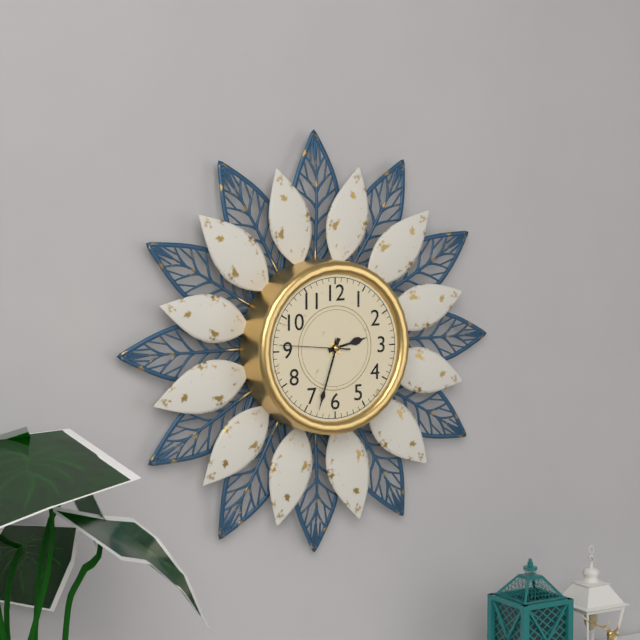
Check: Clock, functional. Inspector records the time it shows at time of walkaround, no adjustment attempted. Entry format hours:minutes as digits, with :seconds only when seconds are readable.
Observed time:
2:33:46
